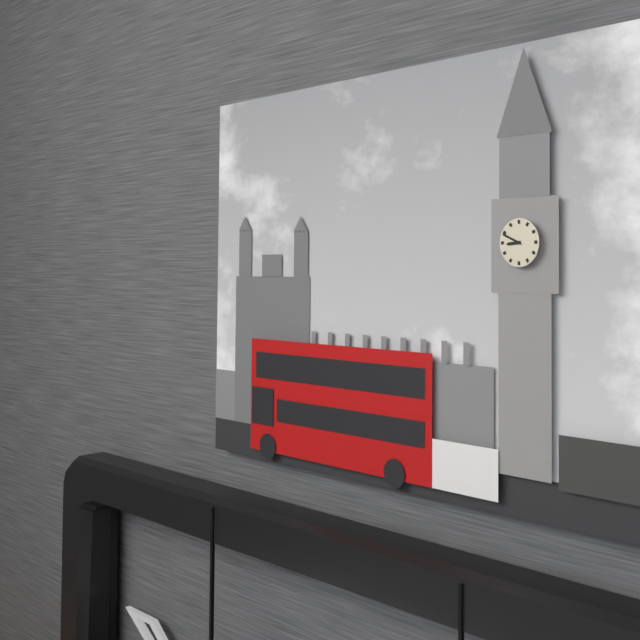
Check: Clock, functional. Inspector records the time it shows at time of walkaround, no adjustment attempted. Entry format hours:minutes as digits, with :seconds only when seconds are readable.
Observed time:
8:49
